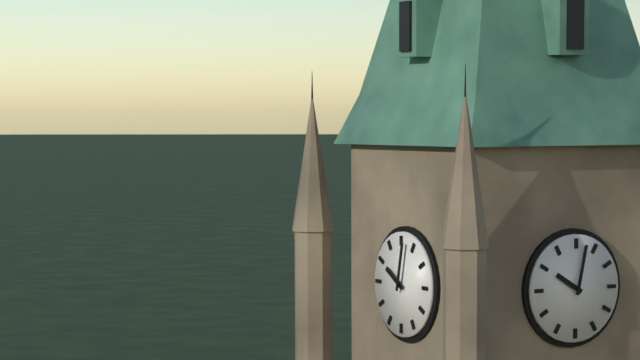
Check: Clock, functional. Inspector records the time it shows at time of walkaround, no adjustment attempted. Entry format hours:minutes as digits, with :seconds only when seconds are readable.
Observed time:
10:02
